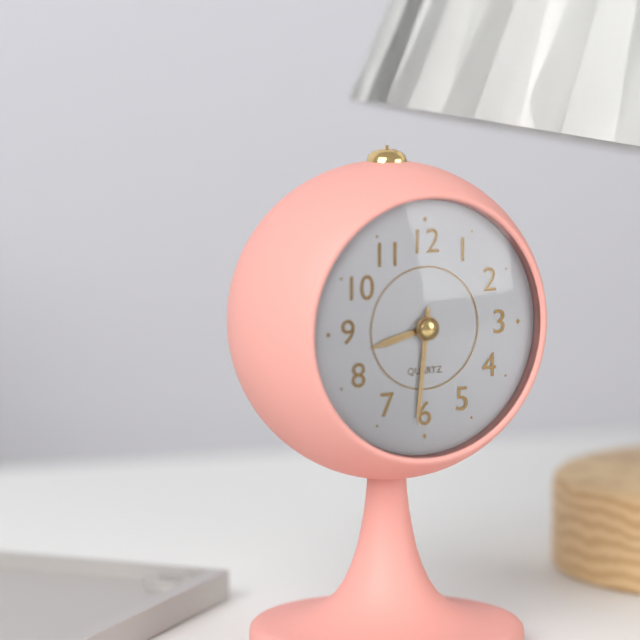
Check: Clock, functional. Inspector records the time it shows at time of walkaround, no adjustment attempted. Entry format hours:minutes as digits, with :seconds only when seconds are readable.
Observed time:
8:31
